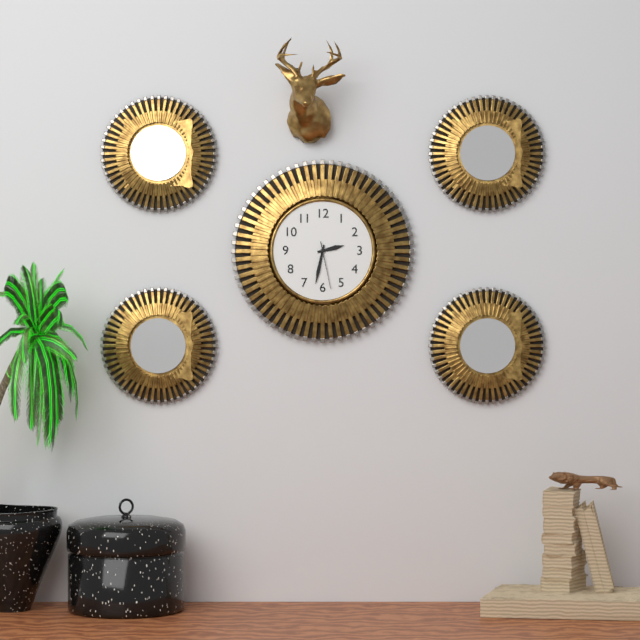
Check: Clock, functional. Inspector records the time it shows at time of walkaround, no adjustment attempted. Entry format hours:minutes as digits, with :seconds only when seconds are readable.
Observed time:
2:32
